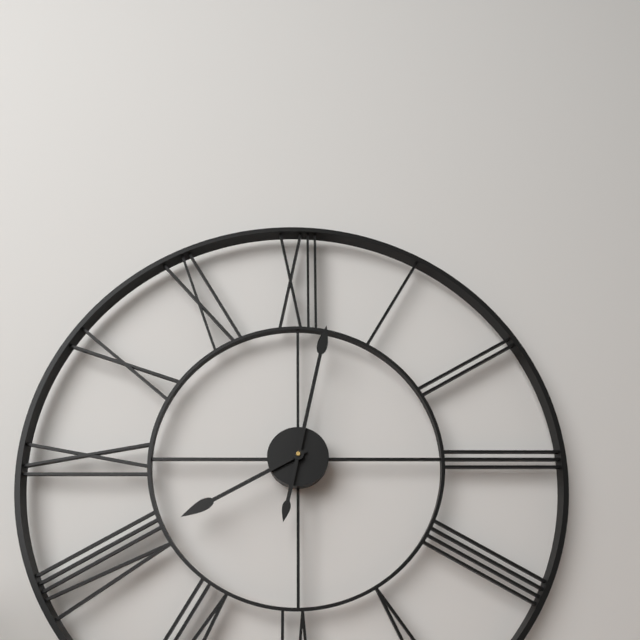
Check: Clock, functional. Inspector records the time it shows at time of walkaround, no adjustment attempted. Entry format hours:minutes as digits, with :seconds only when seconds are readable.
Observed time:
8:02
